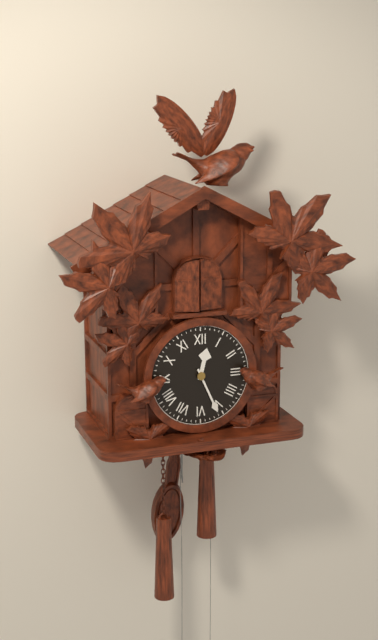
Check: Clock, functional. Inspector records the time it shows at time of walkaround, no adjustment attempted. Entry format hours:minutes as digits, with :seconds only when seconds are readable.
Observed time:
12:26
